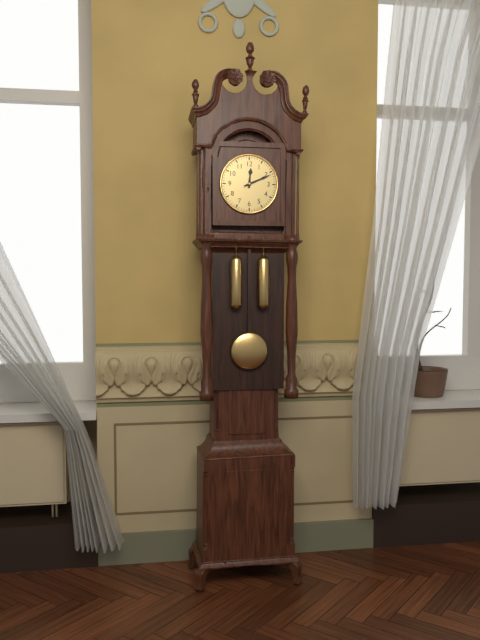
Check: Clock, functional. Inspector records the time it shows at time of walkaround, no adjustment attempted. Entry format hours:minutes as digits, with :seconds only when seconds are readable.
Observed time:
12:11
